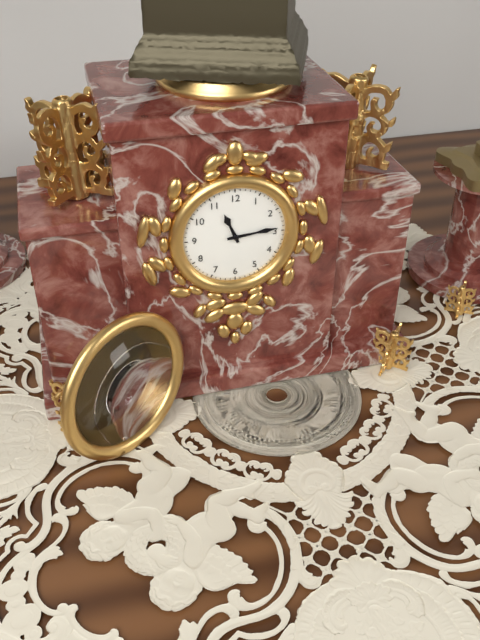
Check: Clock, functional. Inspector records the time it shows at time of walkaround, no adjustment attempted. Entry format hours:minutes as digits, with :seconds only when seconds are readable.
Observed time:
11:14
